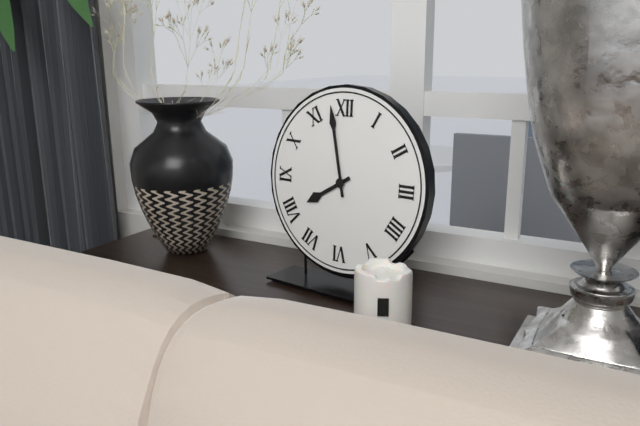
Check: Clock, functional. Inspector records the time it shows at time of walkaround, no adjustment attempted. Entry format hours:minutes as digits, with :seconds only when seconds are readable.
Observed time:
7:58
